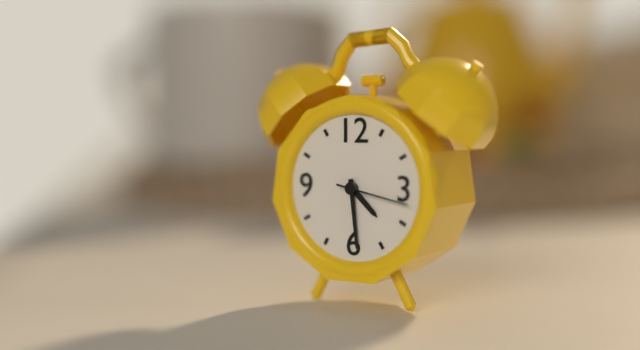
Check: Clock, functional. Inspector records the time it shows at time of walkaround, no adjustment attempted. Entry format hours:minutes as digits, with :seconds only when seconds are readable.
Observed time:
4:29:17
